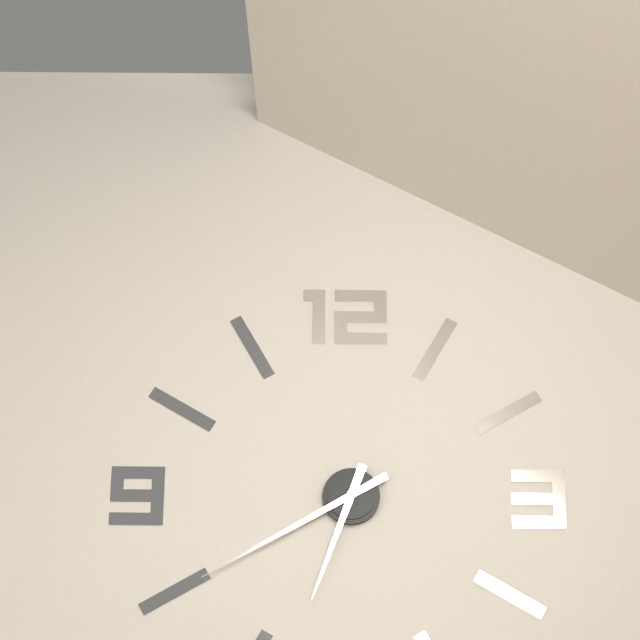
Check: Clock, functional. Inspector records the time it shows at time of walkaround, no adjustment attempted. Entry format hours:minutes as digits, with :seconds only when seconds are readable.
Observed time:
6:40
